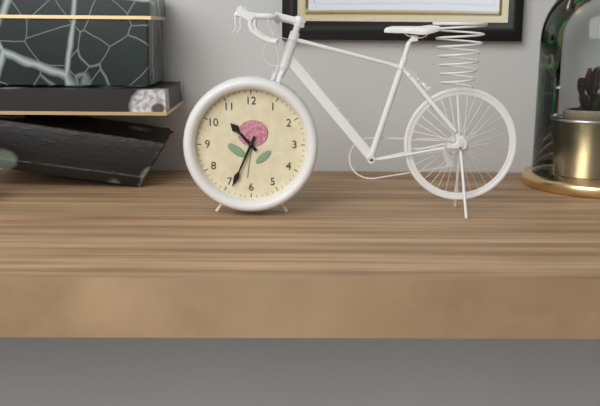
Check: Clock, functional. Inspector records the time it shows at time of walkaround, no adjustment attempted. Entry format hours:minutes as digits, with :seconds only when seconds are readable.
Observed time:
10:34
